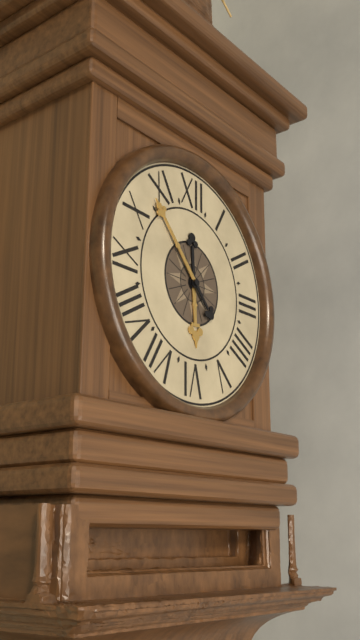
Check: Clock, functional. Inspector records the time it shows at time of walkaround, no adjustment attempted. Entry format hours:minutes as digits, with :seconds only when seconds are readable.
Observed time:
5:53
